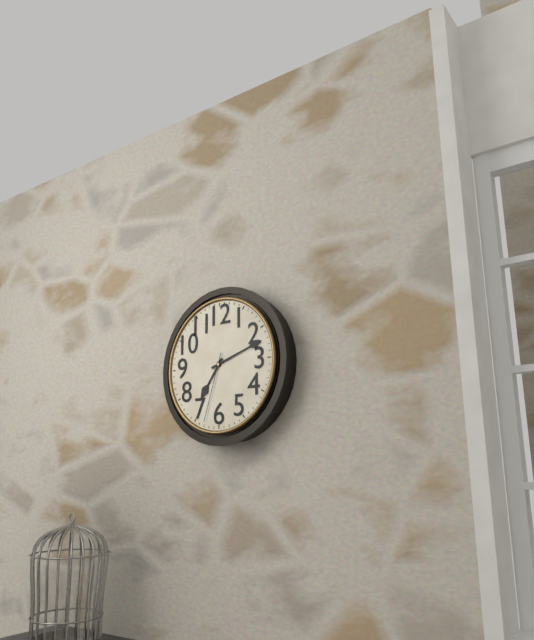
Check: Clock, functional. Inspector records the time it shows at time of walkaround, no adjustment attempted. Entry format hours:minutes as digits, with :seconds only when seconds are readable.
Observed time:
7:12:33
